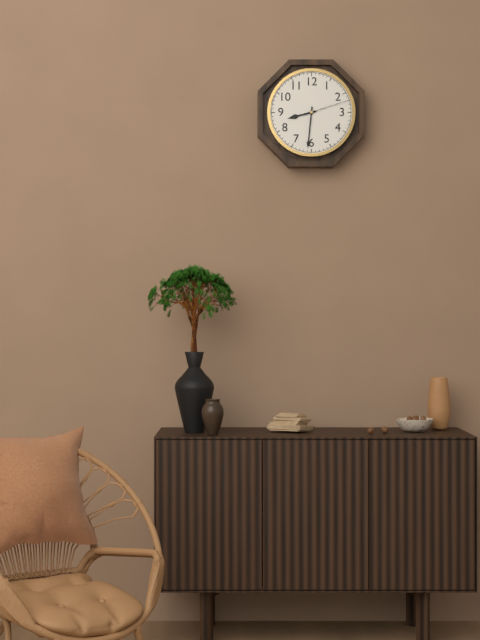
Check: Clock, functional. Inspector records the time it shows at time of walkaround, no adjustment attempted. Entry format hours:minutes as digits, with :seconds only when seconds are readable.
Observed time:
8:31
